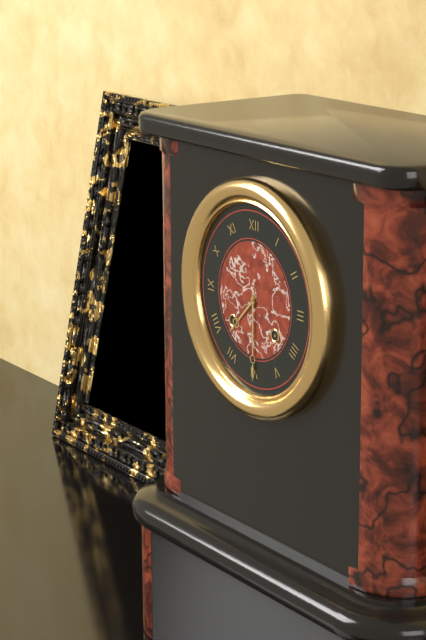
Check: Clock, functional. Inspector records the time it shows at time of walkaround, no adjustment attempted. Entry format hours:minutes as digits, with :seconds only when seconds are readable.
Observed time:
7:30
